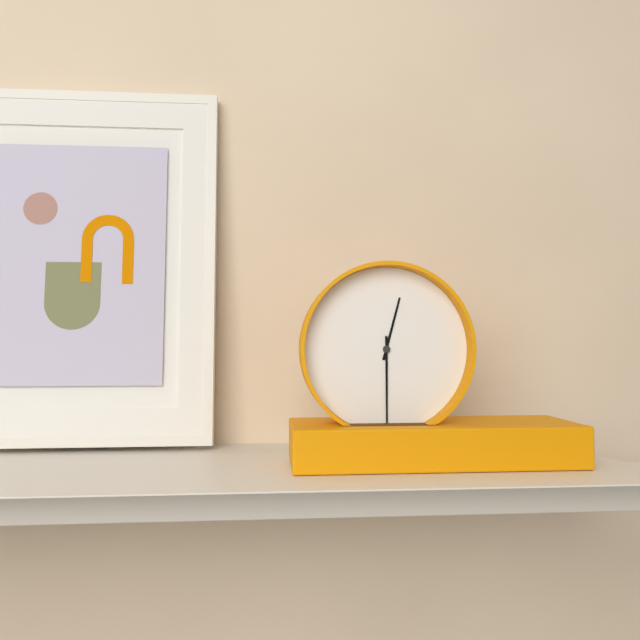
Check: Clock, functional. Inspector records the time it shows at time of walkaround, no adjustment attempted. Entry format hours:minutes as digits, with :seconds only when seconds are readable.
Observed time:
12:30
